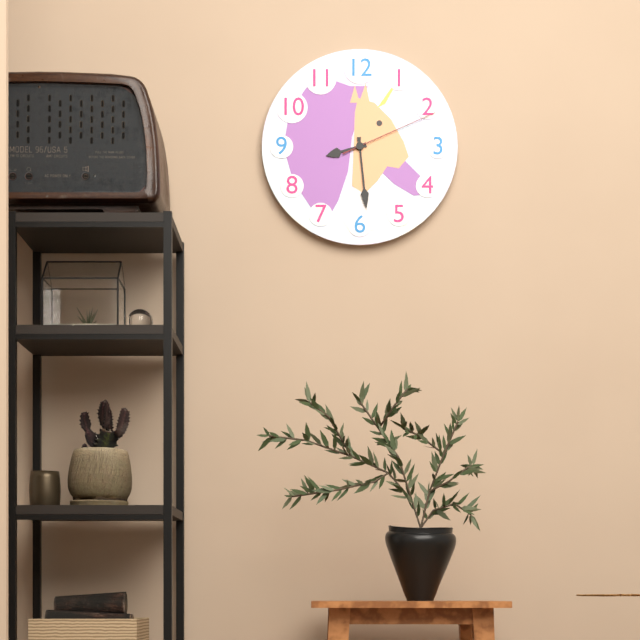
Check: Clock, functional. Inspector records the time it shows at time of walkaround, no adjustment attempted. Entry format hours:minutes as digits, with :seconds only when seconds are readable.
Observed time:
8:29:11
